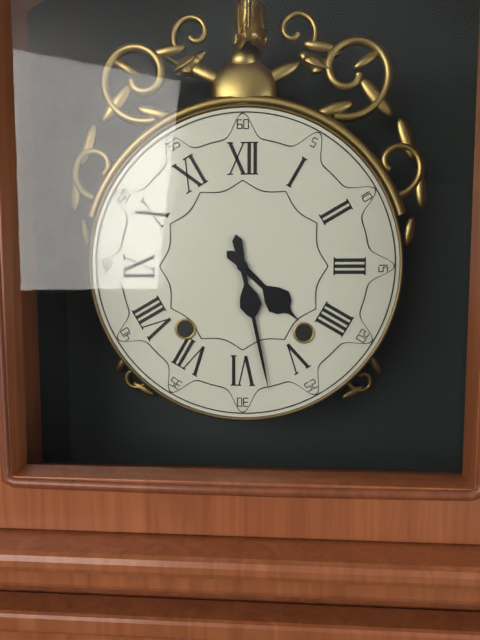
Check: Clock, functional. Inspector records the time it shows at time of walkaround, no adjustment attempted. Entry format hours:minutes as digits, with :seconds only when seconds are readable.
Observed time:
4:28
